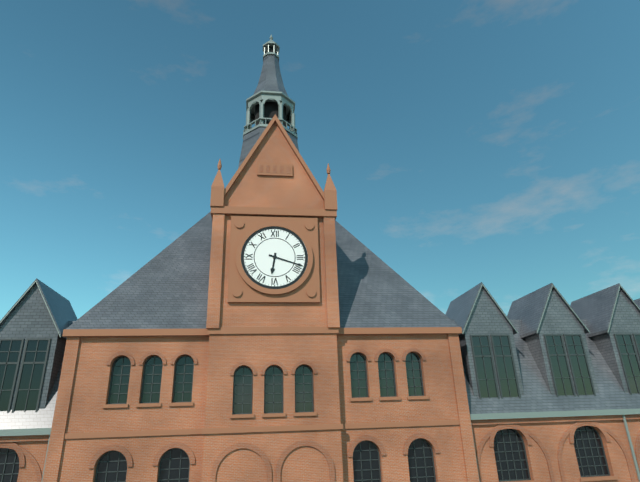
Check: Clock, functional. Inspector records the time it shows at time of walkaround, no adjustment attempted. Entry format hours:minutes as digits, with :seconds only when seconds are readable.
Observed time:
6:18
